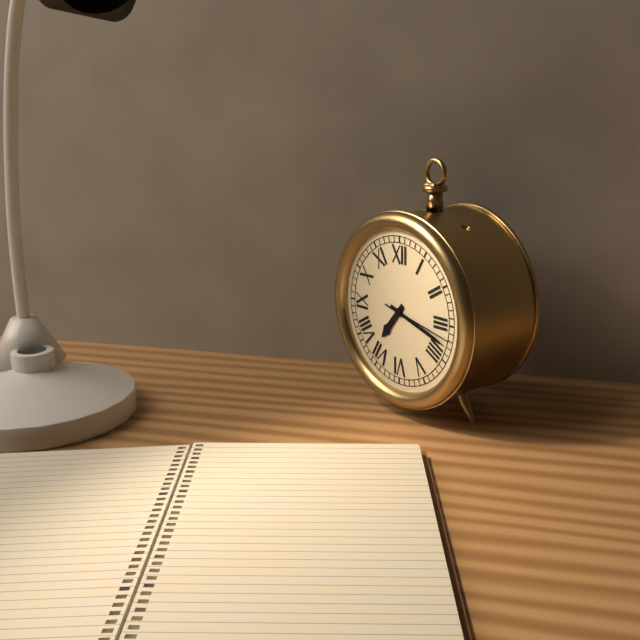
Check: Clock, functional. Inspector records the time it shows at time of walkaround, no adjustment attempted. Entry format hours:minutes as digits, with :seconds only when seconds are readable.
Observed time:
7:18:17
